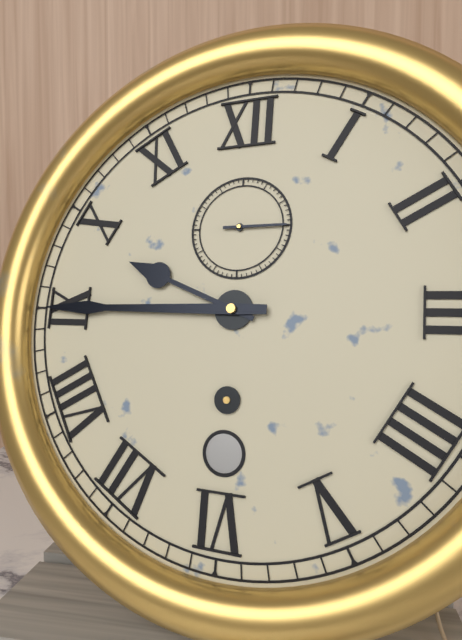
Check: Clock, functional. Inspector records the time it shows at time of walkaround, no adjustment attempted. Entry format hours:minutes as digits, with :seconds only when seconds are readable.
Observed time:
9:45:15
